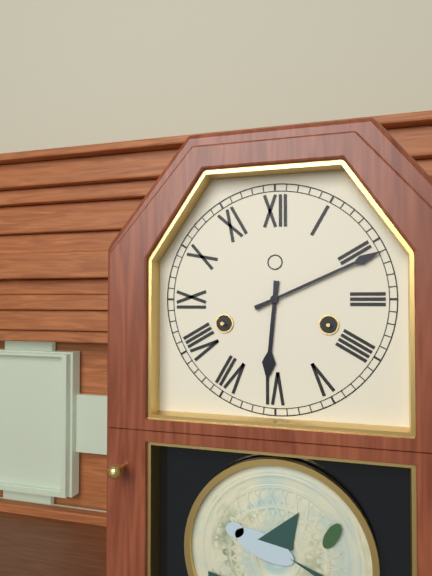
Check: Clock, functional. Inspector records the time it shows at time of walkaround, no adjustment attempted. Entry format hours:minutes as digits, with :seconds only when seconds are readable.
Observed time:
6:11
